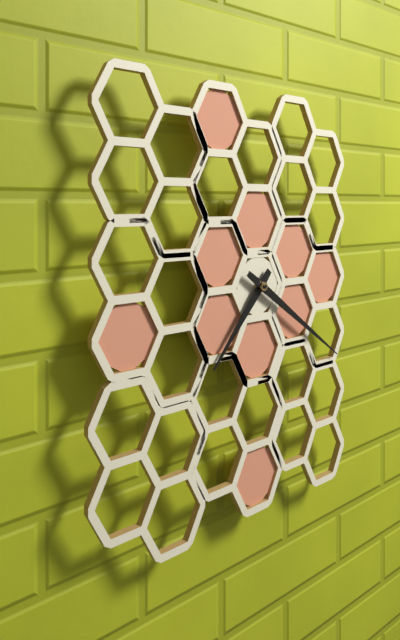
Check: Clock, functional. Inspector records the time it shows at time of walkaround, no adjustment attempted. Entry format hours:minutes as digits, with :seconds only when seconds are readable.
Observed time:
7:21
